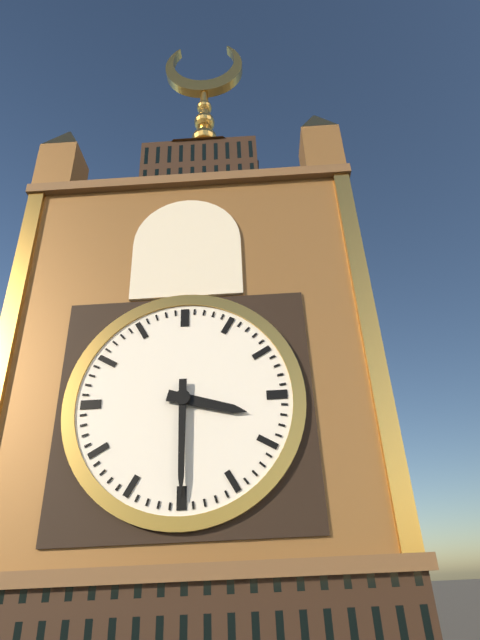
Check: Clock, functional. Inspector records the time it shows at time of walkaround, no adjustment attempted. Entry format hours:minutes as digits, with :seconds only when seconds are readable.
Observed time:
3:30
